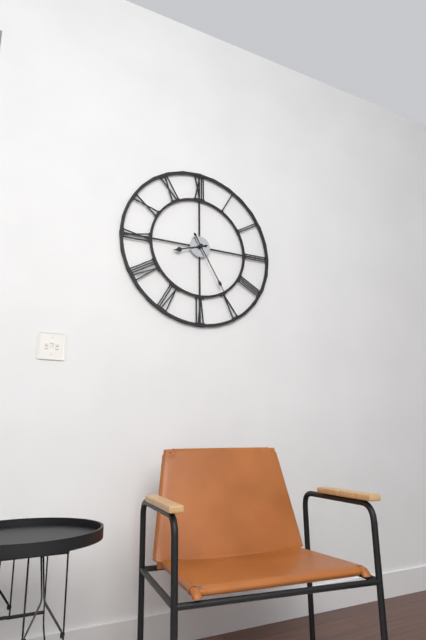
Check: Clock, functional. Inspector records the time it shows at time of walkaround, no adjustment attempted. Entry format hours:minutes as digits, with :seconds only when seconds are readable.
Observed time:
8:25
